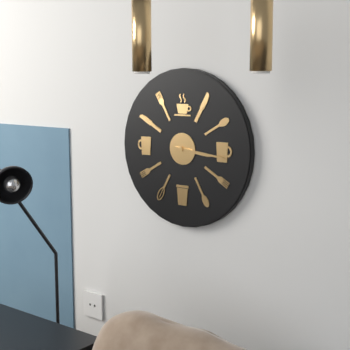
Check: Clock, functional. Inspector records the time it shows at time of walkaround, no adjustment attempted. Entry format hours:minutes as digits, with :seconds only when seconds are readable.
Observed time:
3:16
